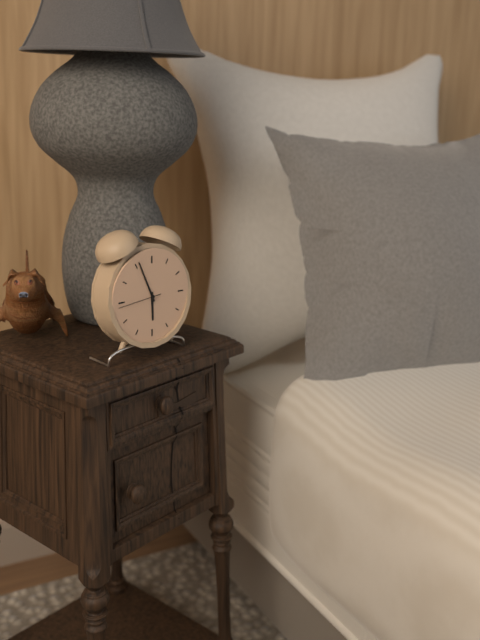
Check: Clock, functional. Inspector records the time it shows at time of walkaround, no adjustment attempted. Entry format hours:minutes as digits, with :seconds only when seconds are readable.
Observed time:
5:56
